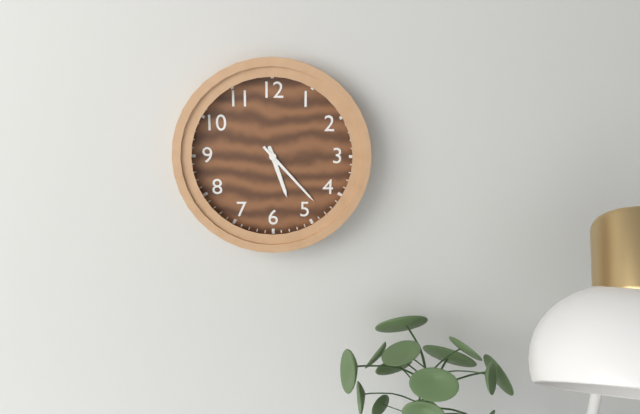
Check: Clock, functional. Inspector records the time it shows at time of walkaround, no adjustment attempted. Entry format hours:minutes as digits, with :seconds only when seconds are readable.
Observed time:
5:23
